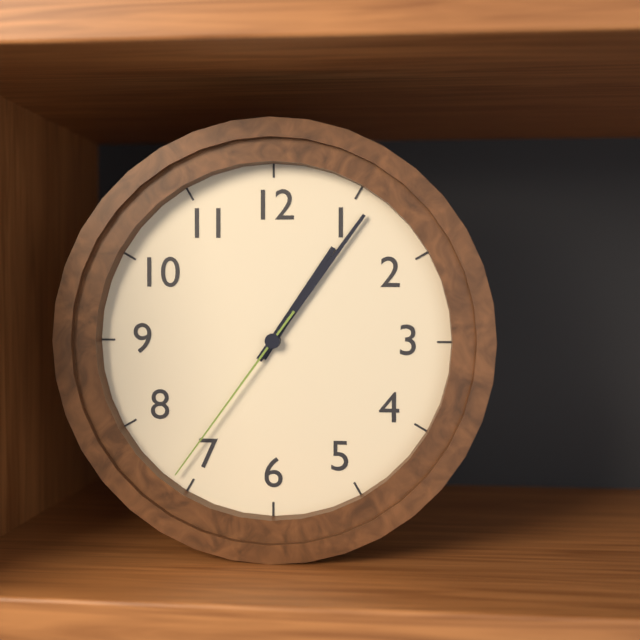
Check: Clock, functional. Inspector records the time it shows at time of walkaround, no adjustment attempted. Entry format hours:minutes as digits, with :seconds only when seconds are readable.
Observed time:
1:06:36
